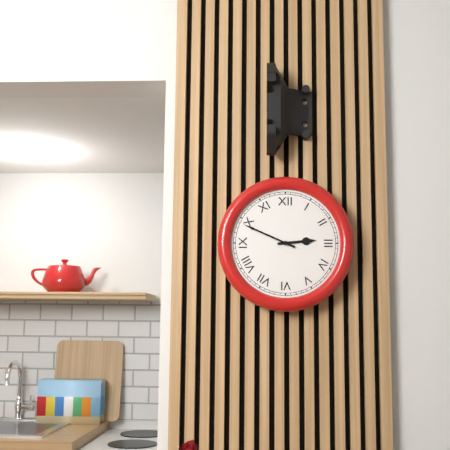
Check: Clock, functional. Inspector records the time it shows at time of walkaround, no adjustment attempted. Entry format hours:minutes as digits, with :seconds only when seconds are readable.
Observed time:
2:49
